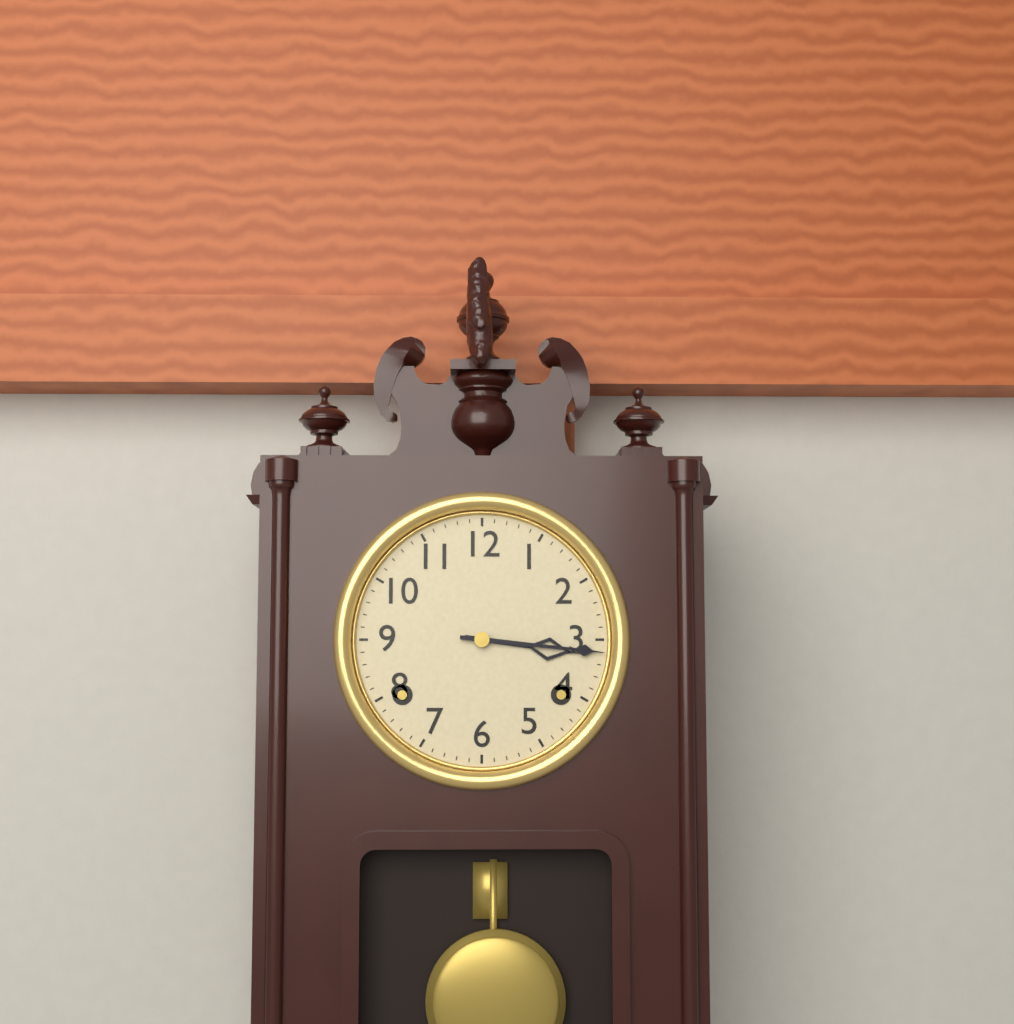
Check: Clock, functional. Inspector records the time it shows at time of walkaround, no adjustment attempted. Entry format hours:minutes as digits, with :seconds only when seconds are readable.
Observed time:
3:16
